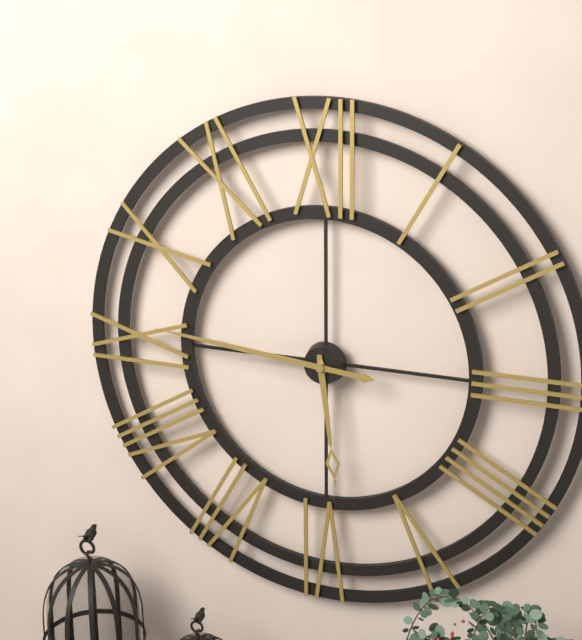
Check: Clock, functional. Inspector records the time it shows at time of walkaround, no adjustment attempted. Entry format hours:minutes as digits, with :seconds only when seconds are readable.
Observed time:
5:46
